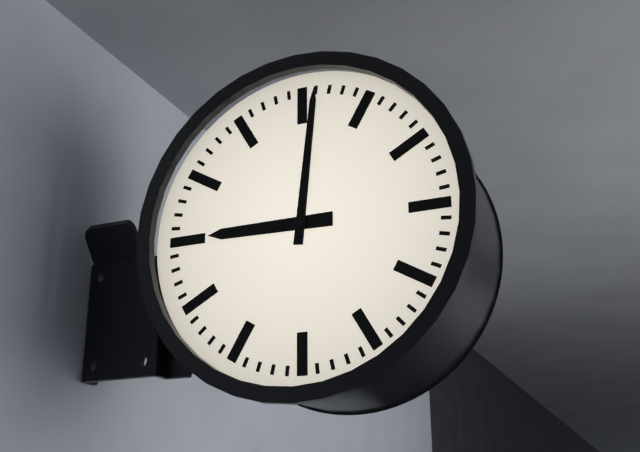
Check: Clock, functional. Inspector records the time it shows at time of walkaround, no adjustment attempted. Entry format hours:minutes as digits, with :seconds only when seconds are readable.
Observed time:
9:01
